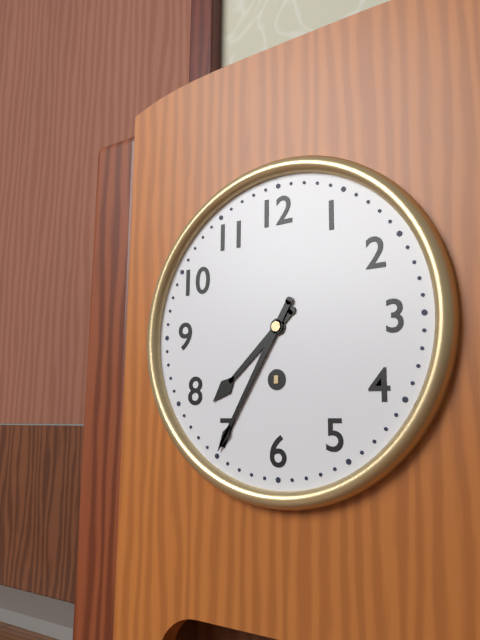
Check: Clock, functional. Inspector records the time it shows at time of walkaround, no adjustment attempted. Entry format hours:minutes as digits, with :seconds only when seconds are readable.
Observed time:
7:35
